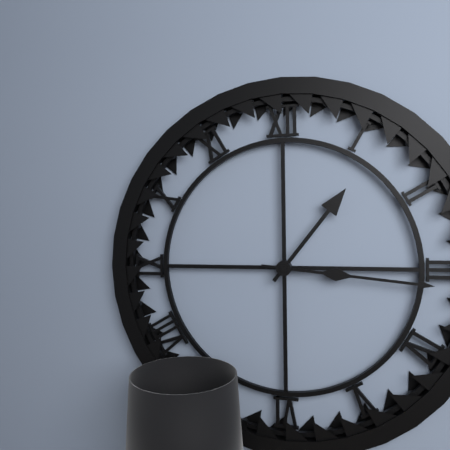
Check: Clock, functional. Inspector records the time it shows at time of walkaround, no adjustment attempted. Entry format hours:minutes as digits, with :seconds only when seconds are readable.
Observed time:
1:16
